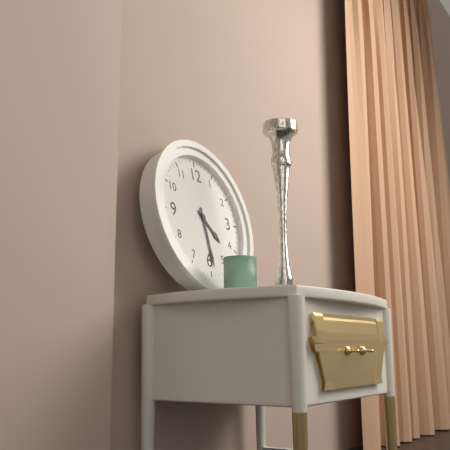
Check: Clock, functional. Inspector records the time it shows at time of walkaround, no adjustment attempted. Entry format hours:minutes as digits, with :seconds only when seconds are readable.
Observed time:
4:29
